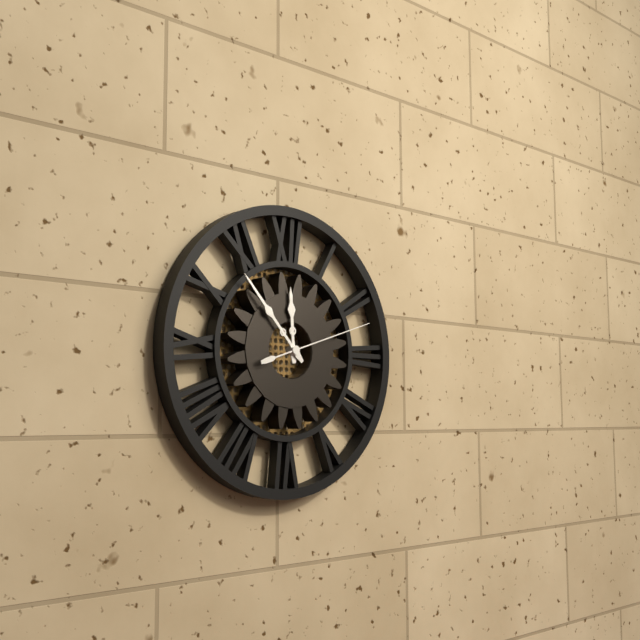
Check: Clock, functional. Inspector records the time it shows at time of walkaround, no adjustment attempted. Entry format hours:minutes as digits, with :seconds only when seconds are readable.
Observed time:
11:53:12
